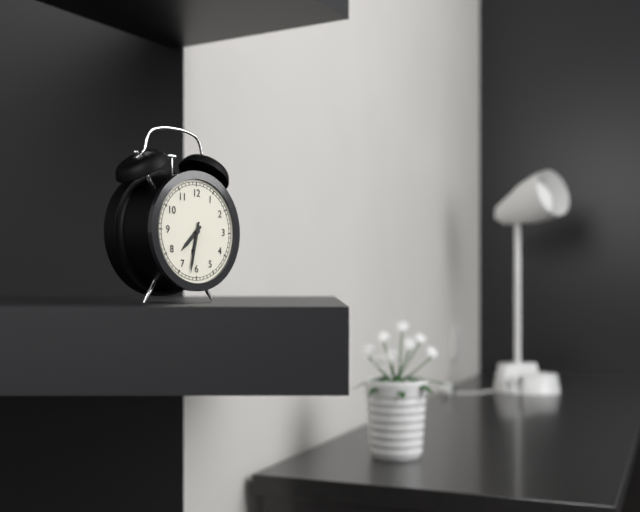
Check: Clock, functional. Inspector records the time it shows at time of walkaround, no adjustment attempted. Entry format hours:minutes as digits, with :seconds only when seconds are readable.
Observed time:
7:32
